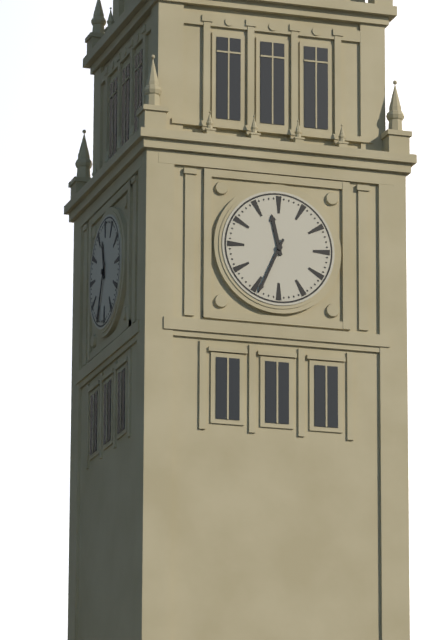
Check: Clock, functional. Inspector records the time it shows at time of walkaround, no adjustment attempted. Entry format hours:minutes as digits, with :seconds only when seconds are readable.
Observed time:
11:34
